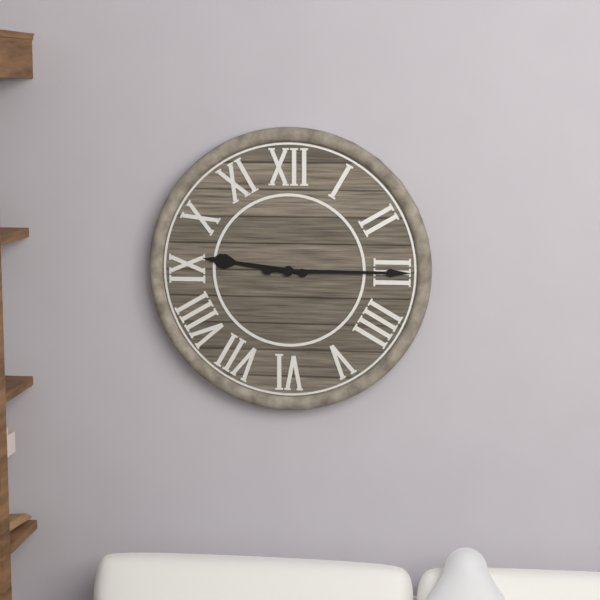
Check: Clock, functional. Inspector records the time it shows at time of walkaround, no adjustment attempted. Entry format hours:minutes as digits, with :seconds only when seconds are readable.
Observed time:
9:15
